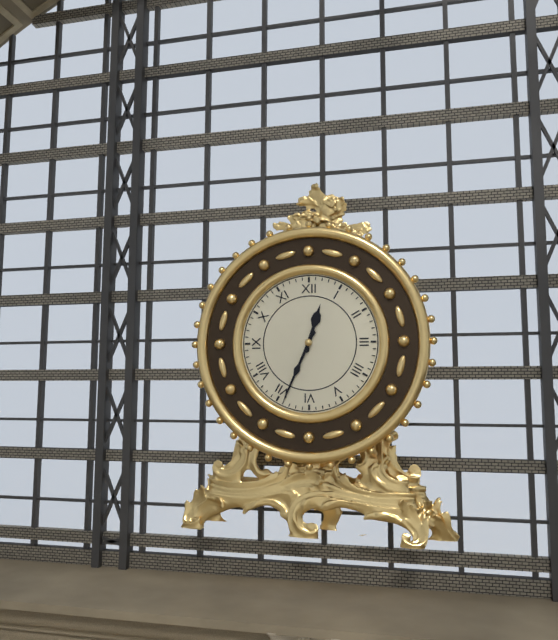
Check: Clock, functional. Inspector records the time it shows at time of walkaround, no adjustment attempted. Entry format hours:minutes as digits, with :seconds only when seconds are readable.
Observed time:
12:34
